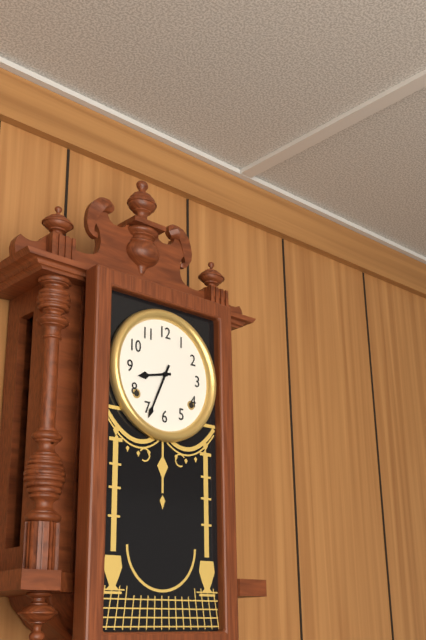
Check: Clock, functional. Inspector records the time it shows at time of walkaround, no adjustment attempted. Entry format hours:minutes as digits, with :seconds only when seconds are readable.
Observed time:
8:34
